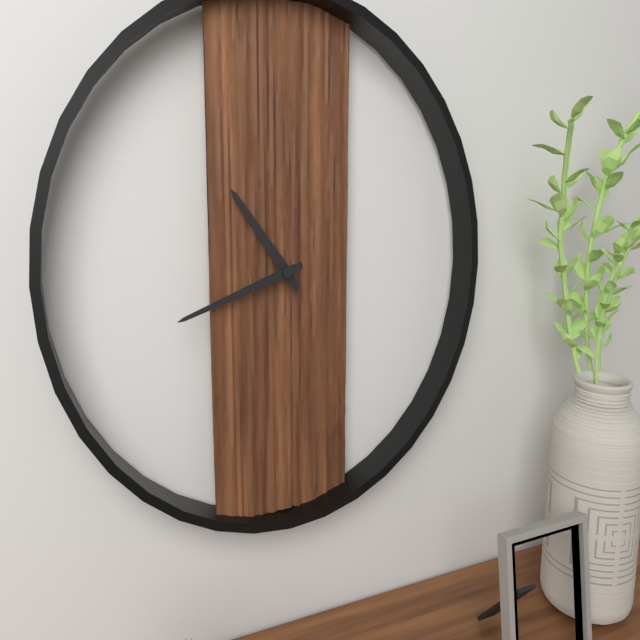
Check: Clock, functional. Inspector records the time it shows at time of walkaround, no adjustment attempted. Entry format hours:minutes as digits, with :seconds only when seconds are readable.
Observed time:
10:42
